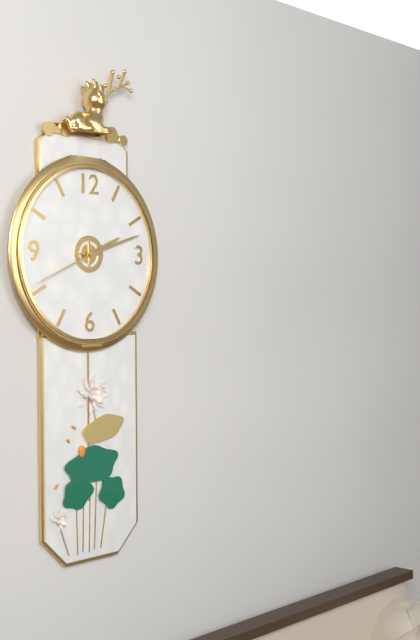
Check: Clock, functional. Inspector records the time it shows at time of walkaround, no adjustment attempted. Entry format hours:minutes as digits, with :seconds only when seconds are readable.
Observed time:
2:12:41
